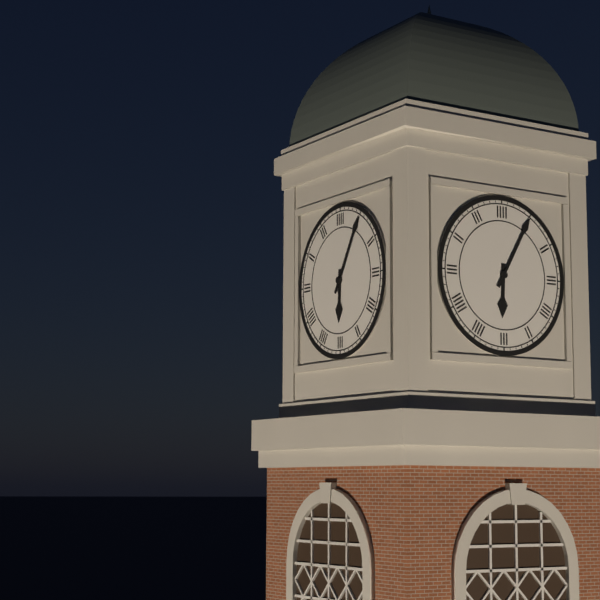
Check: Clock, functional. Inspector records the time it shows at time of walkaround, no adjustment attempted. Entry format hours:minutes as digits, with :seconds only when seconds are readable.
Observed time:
6:05
